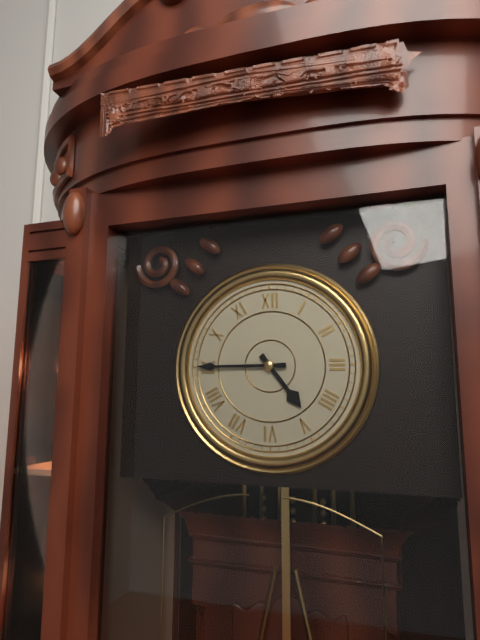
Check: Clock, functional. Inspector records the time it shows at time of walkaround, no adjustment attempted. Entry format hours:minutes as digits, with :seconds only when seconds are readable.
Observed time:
4:45
